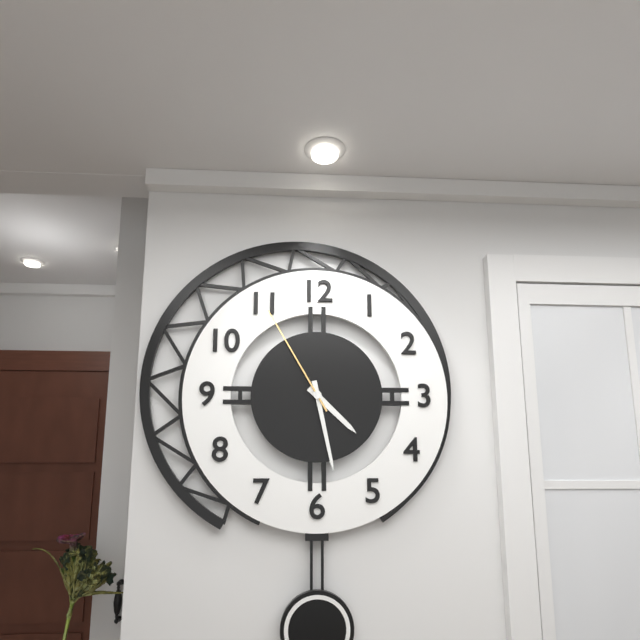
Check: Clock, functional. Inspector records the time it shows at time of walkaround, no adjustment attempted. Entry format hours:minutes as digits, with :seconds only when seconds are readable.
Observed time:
4:28:55
